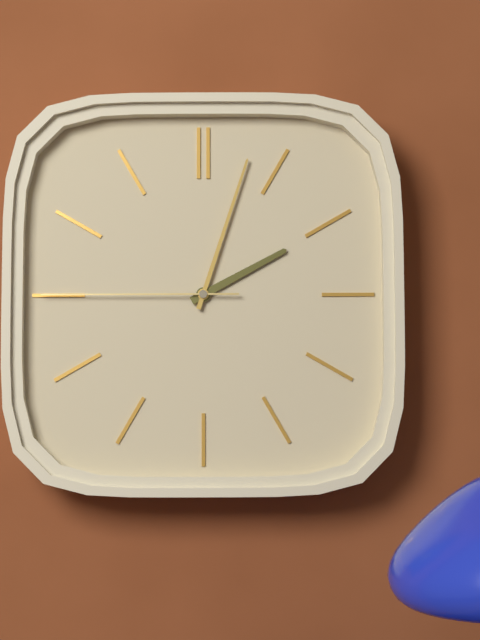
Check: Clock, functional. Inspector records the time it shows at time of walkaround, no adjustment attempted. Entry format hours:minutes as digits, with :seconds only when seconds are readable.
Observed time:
2:03:45
